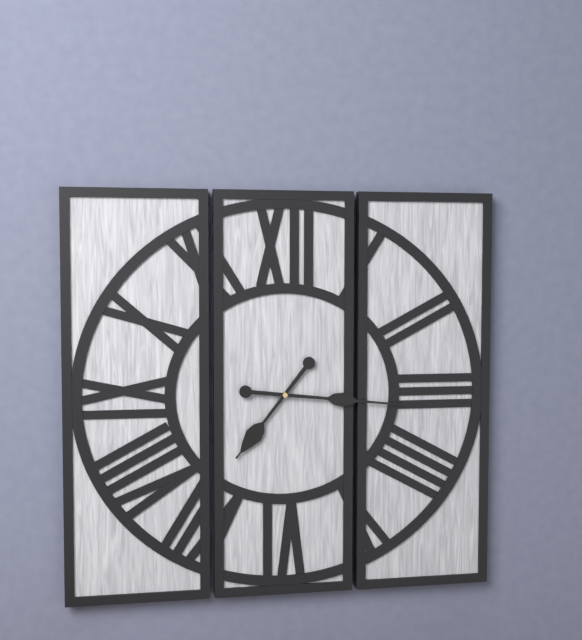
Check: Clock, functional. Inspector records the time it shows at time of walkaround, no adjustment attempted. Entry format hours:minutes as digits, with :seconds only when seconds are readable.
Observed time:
7:16
